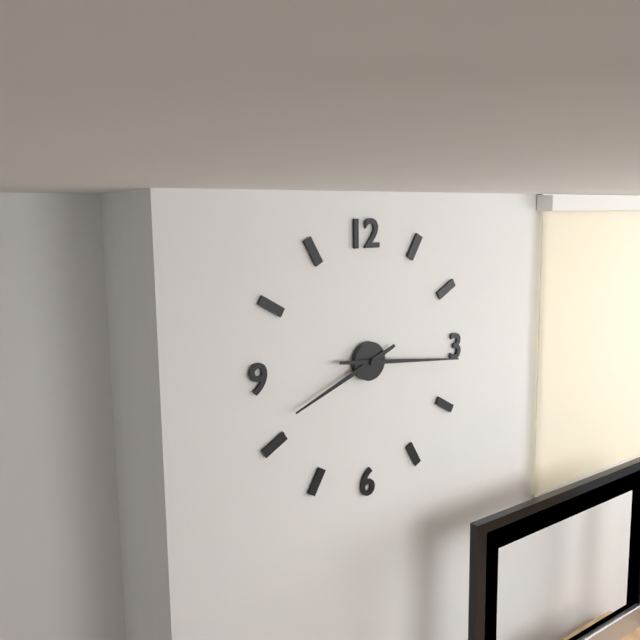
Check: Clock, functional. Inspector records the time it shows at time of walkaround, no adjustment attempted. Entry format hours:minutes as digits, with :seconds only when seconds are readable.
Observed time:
8:16
